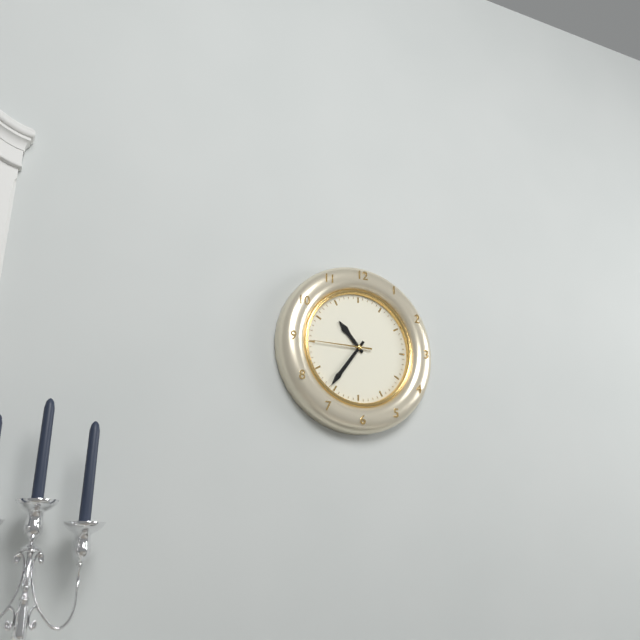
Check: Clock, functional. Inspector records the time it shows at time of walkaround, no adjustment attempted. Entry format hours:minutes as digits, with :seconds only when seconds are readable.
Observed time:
10:36:45
